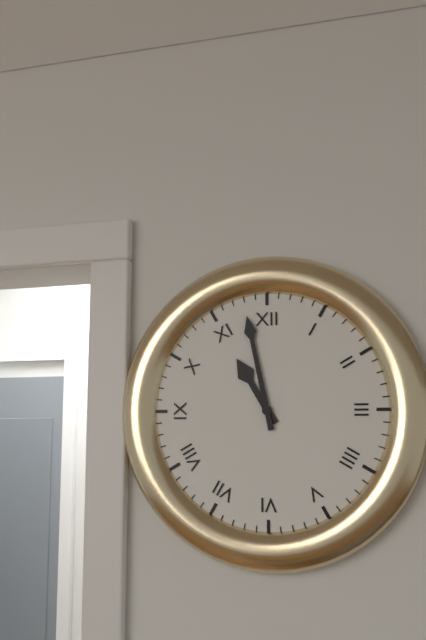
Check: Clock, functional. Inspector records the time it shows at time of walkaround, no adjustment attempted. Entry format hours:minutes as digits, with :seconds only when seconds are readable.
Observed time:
10:58
